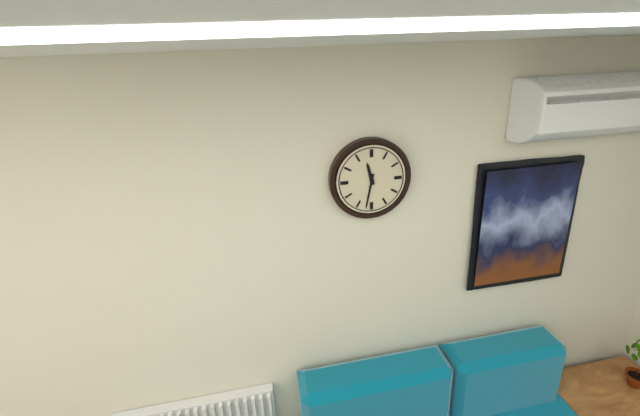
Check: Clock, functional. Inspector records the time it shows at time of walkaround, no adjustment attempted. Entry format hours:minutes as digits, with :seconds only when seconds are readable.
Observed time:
11:32
